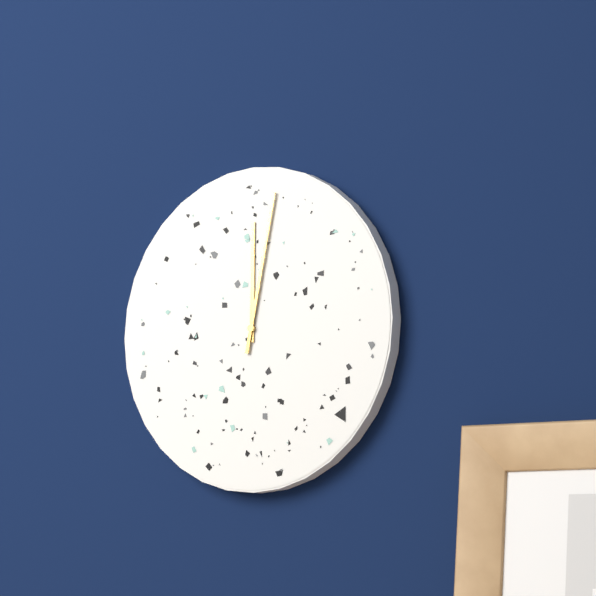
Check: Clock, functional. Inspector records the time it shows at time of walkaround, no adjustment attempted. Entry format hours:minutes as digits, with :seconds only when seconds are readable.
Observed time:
12:02
